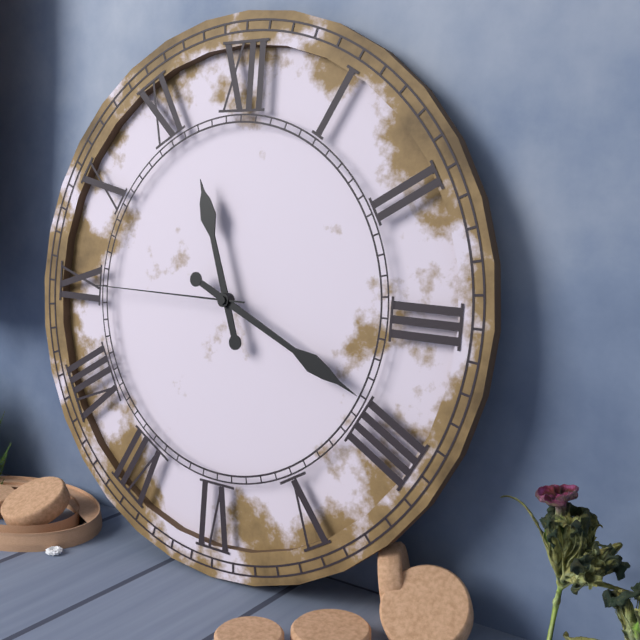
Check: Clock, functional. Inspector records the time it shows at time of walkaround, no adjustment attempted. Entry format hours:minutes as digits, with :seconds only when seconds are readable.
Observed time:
11:19:45
